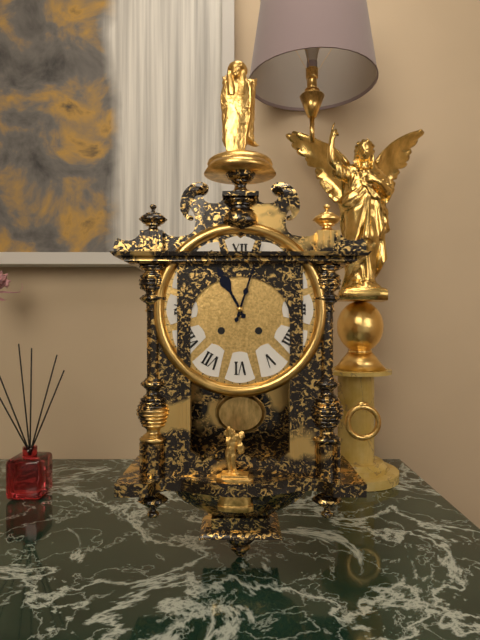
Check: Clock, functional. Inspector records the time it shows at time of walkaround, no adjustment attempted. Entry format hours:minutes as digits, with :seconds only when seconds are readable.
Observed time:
11:03
